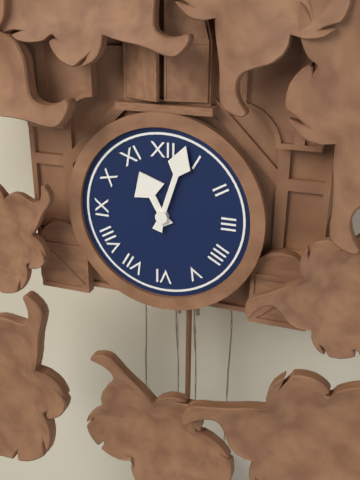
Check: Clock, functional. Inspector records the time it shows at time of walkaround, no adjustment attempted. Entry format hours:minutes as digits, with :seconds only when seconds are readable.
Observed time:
11:03
